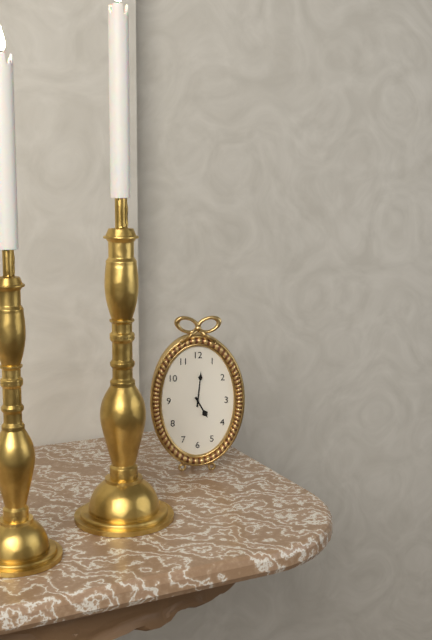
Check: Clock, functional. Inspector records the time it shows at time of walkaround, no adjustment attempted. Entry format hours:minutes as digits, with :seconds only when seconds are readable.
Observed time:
5:01
